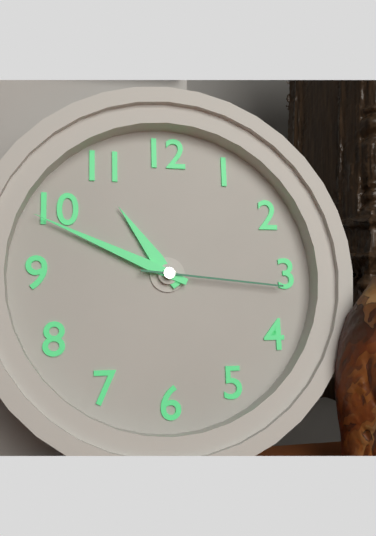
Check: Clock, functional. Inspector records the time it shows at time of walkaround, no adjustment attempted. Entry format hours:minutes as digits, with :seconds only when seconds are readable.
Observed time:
10:49:16
